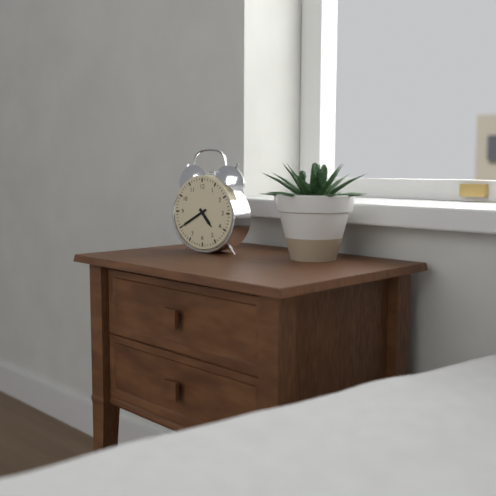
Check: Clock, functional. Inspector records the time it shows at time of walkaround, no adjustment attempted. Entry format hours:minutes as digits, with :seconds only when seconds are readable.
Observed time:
4:40
